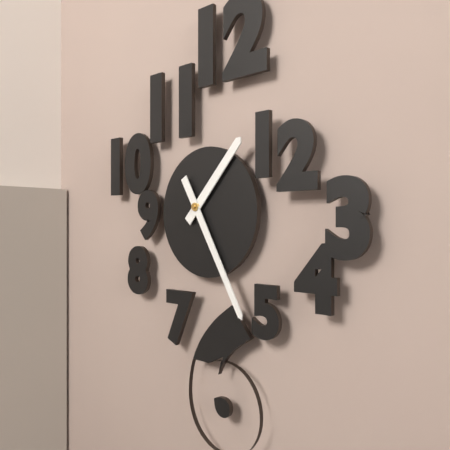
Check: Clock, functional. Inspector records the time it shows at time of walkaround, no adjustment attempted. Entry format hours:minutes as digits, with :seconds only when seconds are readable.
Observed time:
1:25
